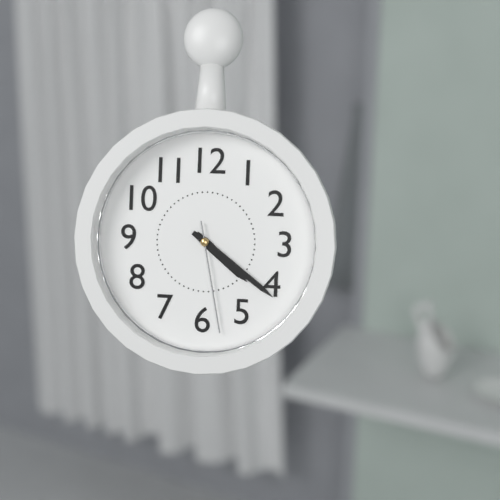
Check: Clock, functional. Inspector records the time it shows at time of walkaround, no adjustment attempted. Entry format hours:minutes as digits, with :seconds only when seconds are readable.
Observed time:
4:21:28
